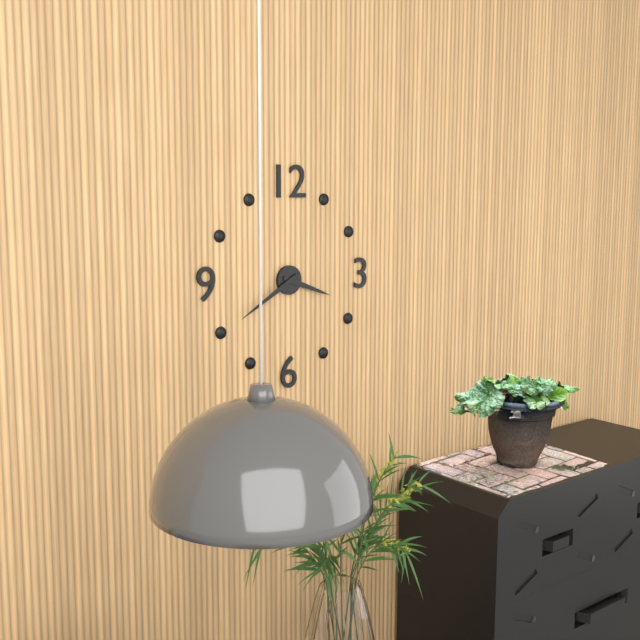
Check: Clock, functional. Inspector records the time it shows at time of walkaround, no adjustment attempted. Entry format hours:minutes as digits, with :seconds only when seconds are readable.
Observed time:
3:40
